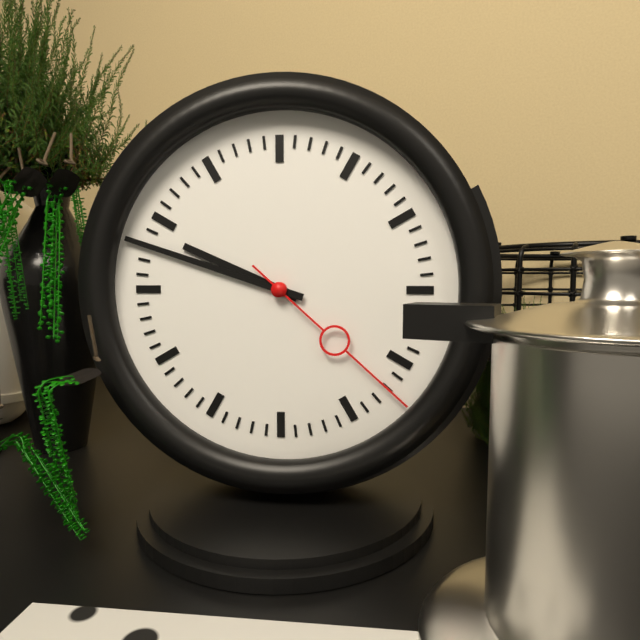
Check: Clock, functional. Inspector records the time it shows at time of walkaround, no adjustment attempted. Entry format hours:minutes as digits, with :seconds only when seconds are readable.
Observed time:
9:48:22
